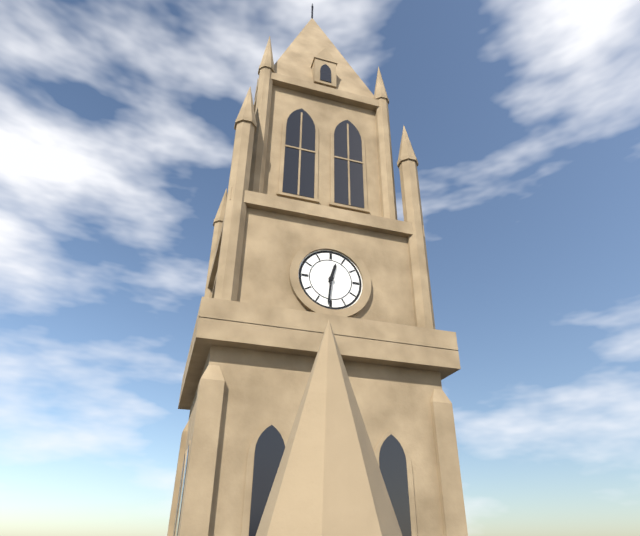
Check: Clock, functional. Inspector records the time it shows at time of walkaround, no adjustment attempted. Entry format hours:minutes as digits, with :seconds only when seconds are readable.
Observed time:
12:31
